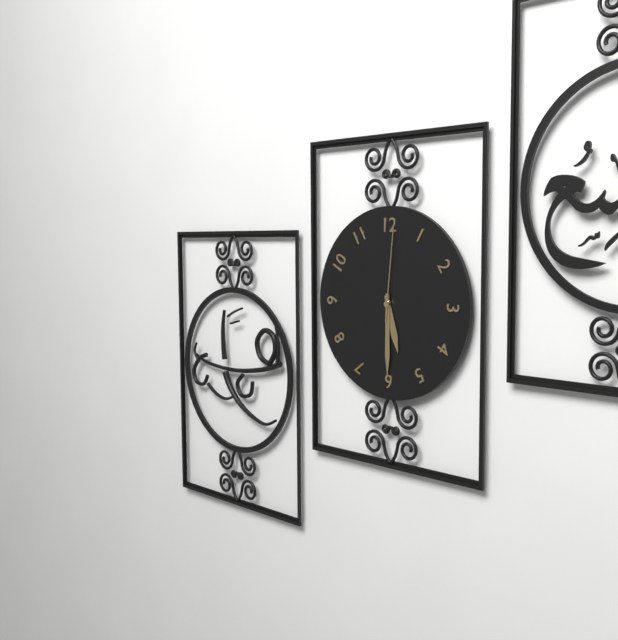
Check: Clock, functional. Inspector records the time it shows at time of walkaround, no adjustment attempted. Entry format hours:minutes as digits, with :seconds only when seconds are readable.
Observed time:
5:30:01
